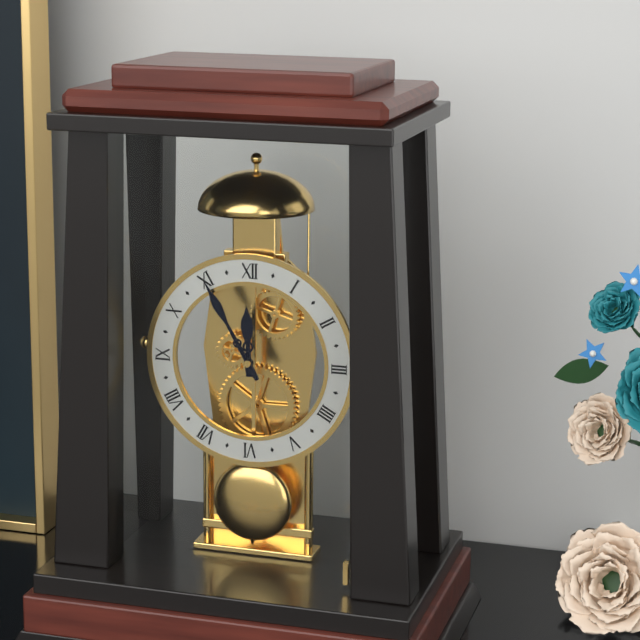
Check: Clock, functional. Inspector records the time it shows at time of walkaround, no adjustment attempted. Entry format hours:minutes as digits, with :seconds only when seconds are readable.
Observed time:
11:55
